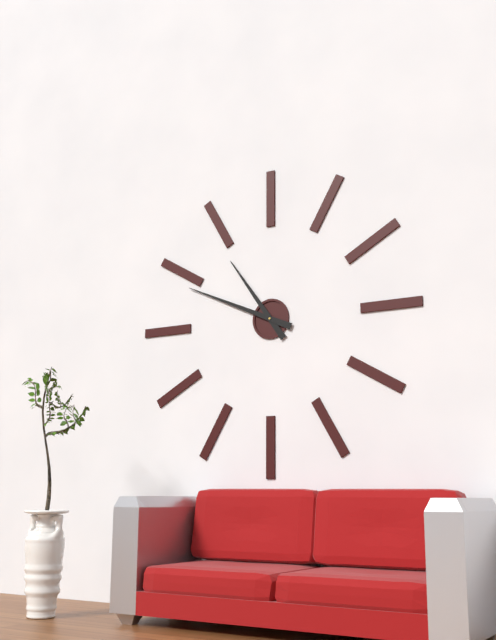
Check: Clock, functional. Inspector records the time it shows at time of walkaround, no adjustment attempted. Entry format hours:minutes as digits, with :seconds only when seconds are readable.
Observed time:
10:49
